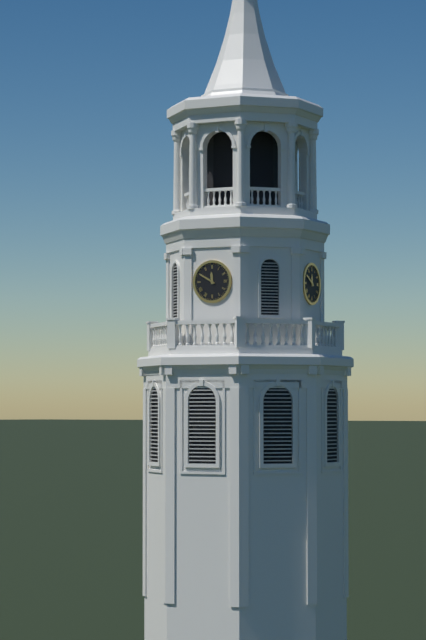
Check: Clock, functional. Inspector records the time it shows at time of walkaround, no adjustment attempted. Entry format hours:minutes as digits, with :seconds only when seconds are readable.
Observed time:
11:50
